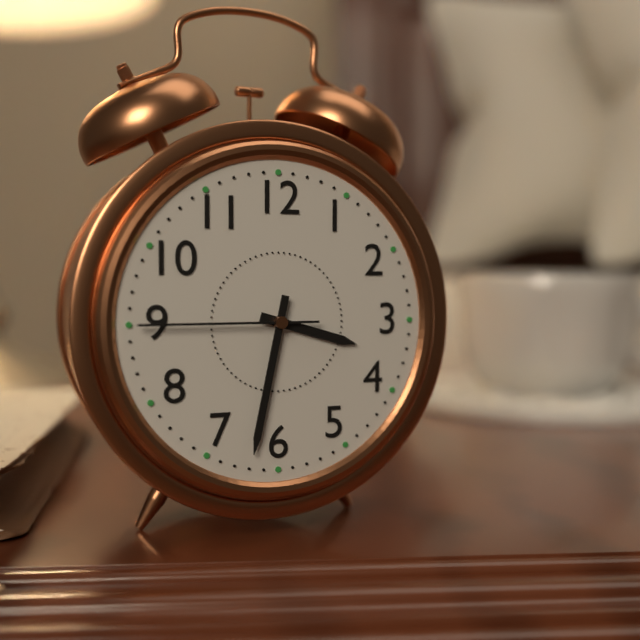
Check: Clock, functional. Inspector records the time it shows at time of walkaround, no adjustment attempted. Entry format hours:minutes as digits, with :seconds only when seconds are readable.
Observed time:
3:32:45
